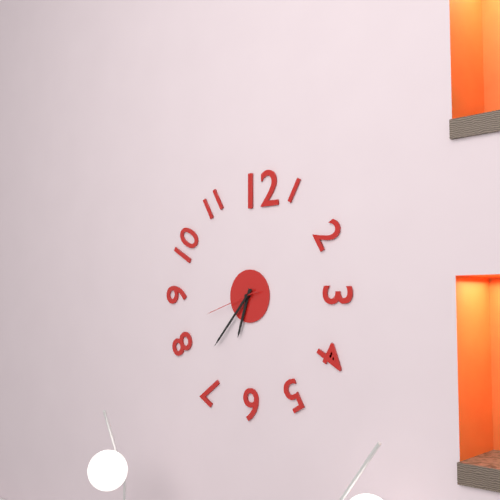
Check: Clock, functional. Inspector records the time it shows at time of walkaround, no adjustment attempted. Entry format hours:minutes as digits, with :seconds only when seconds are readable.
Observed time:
6:37:42
